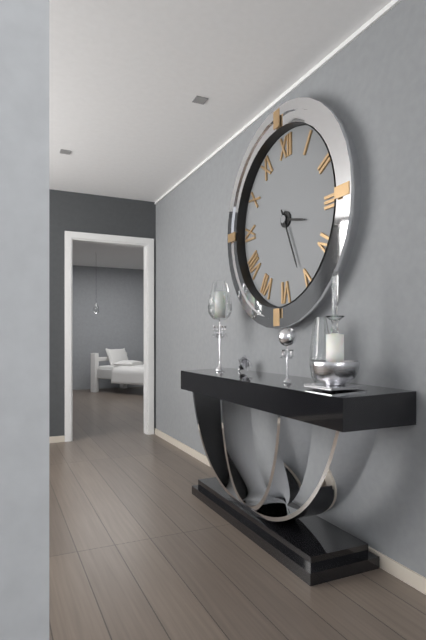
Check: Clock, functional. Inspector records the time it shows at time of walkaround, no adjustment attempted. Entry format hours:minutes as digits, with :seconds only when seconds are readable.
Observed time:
3:26
